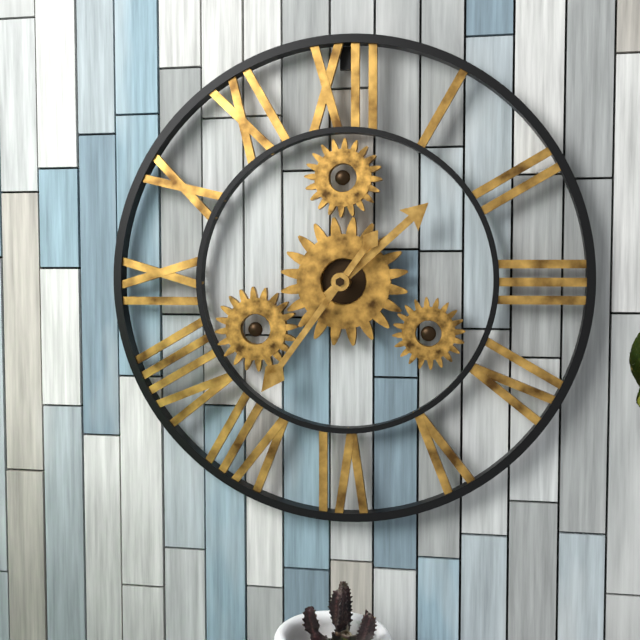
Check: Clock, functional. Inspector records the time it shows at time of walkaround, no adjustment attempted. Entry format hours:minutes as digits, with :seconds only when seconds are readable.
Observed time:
1:36
